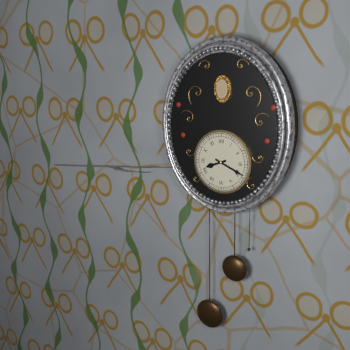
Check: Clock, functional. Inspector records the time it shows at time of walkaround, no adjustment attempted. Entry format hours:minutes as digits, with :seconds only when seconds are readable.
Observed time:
8:19
